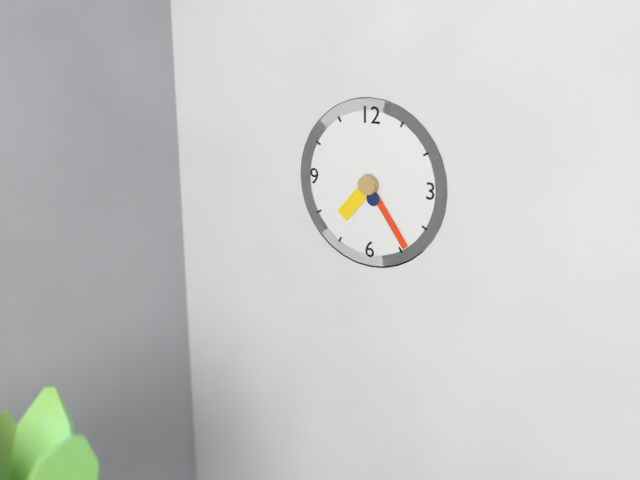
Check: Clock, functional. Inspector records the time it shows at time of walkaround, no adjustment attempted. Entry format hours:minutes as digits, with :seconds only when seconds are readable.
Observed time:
7:24
